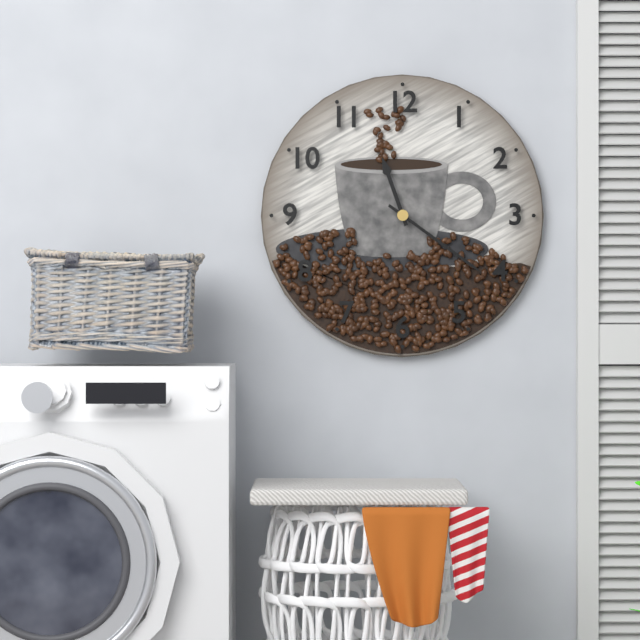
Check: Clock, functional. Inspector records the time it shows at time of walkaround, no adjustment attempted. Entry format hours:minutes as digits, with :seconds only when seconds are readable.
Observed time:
11:21
